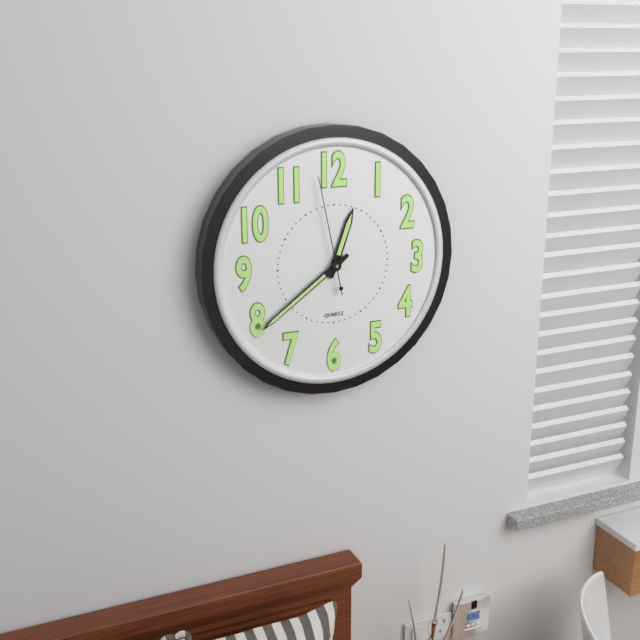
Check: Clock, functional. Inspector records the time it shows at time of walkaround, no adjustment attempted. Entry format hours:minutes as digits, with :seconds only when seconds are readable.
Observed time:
12:39:58
